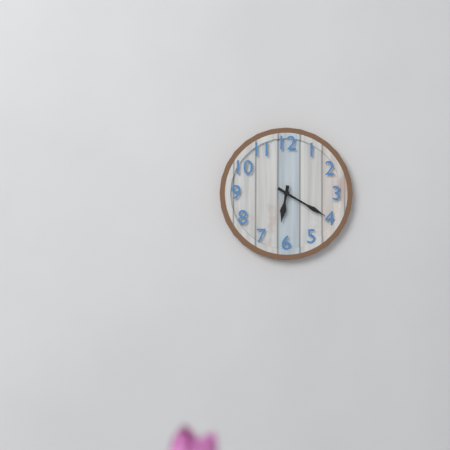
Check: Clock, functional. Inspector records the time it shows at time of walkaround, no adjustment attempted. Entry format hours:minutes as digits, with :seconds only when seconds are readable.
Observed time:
6:20
